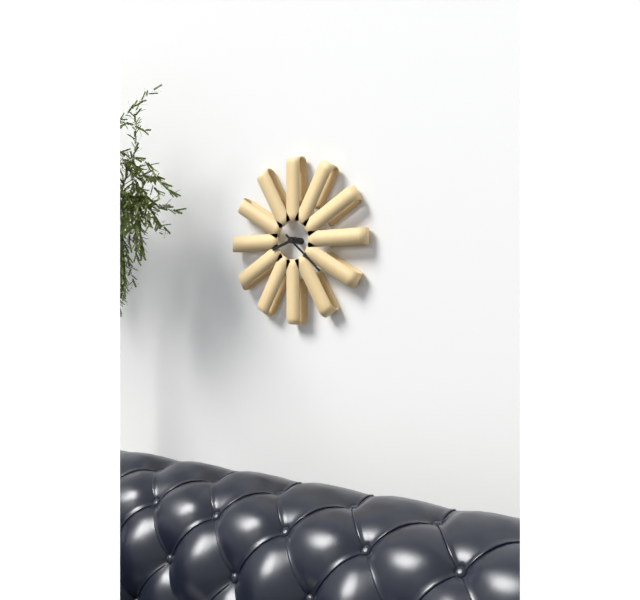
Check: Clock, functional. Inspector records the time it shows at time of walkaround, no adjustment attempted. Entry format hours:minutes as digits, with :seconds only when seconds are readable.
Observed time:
8:22
